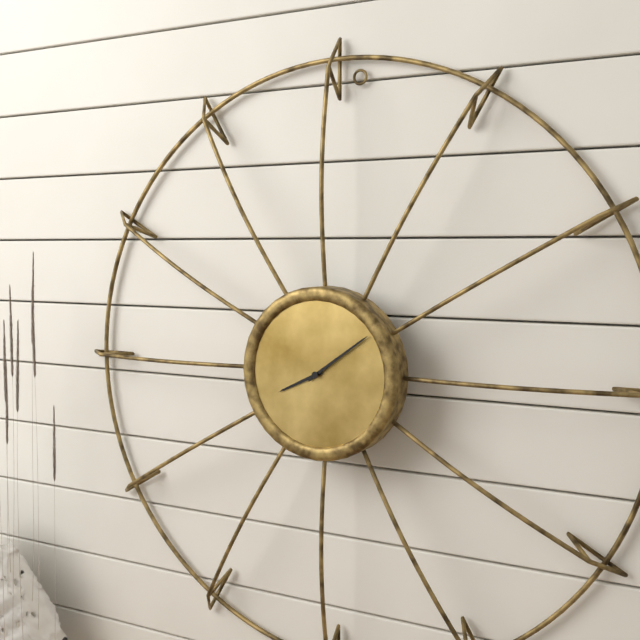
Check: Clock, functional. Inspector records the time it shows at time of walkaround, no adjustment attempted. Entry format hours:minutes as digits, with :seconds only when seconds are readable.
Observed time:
8:09
